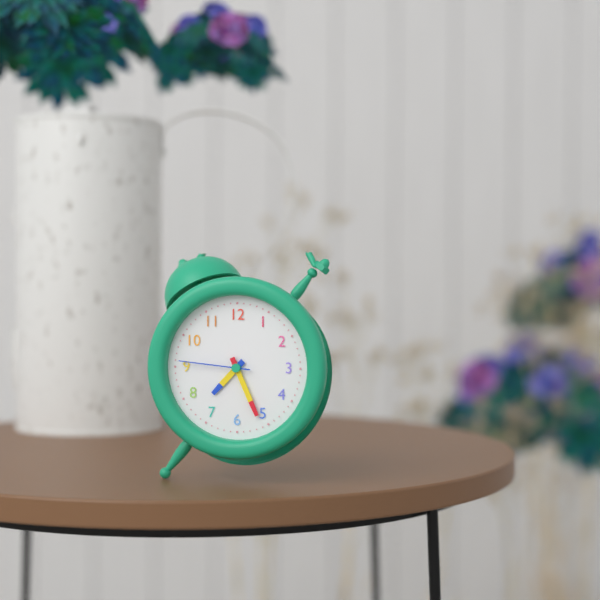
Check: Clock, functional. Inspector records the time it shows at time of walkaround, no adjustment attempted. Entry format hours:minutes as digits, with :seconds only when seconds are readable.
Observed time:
7:26:46
